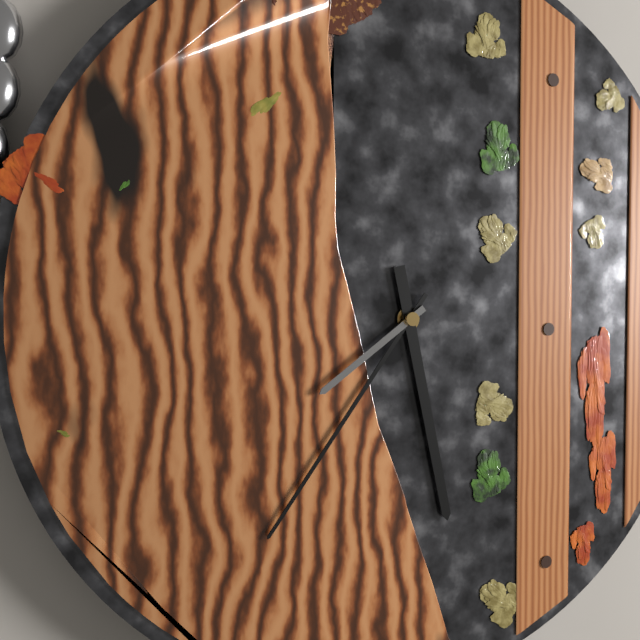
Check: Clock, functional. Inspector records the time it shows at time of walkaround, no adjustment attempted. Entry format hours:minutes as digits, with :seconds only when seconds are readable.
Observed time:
5:36:39
